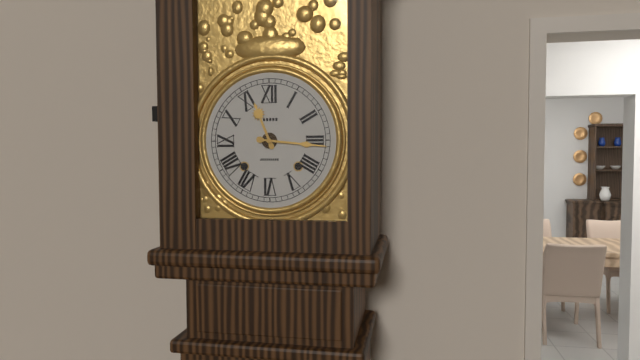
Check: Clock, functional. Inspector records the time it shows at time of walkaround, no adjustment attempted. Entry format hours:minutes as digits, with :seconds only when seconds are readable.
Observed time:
11:16
